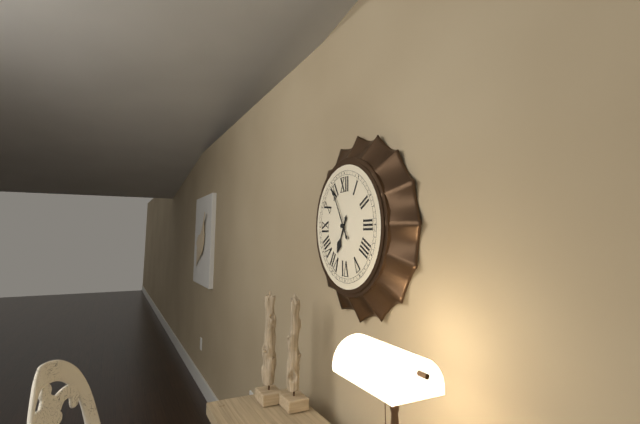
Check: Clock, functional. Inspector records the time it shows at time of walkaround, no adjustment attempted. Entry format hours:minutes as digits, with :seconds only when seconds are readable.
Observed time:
6:55
